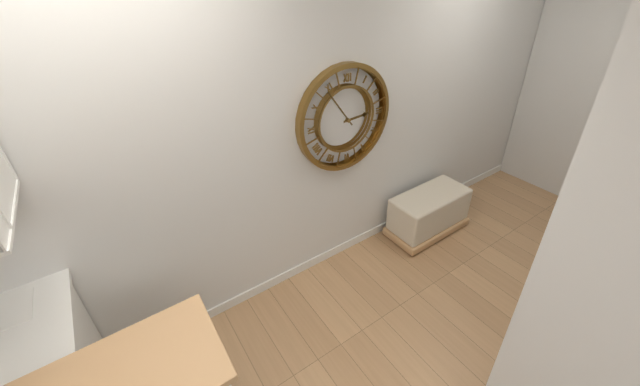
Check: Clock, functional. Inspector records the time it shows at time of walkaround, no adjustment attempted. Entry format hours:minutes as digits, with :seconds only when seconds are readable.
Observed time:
2:54
